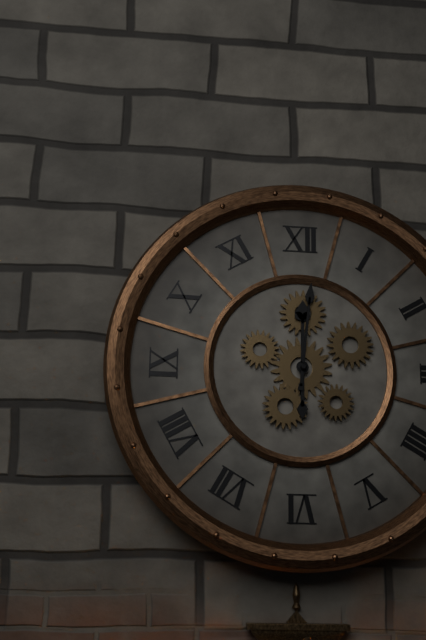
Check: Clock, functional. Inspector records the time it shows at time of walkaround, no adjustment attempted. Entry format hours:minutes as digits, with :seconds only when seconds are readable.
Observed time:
12:01
